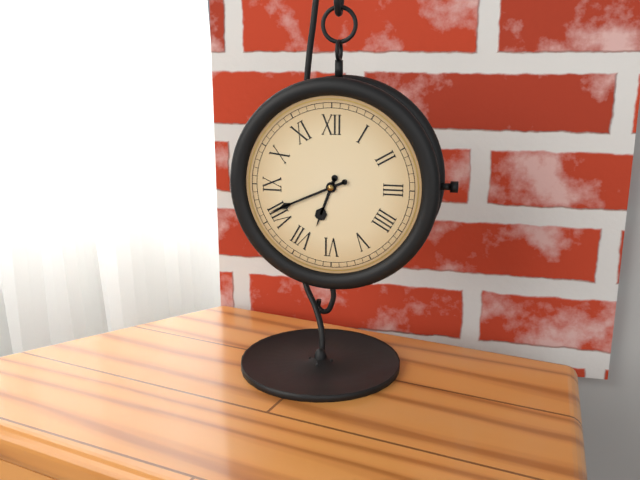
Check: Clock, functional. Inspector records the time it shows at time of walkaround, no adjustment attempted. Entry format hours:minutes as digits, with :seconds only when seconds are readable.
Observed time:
6:41
